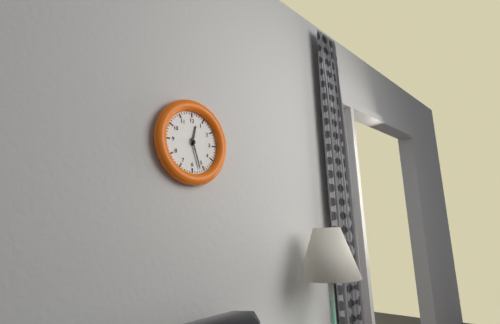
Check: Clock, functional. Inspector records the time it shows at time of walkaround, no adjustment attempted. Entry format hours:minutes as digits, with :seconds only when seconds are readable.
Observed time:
12:27
